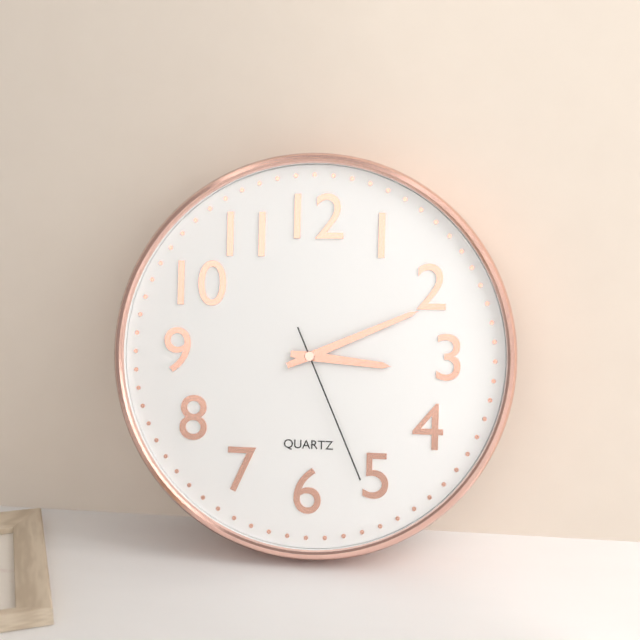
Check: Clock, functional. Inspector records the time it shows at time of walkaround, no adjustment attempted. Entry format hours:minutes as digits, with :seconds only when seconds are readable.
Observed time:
3:11:26
